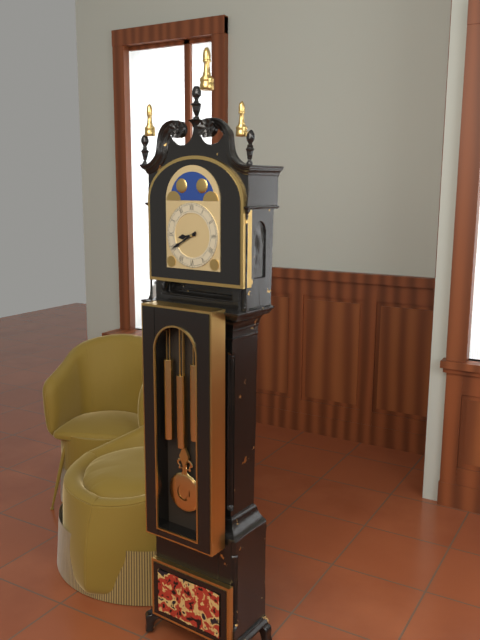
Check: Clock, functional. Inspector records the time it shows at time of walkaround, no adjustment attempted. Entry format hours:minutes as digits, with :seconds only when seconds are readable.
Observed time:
8:40
